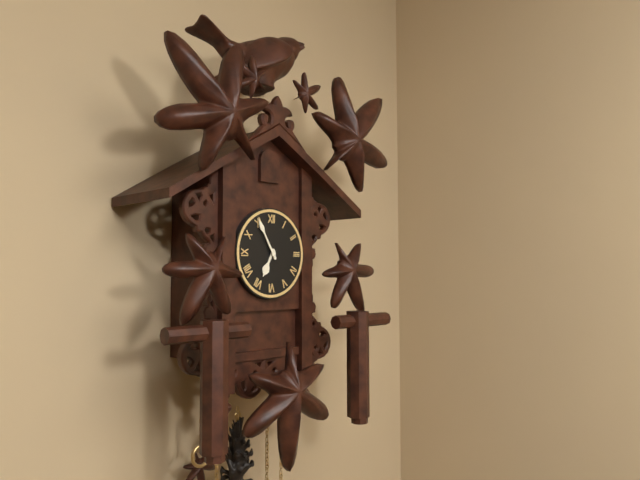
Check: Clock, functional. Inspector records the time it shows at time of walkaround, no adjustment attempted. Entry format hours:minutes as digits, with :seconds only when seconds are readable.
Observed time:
6:55
